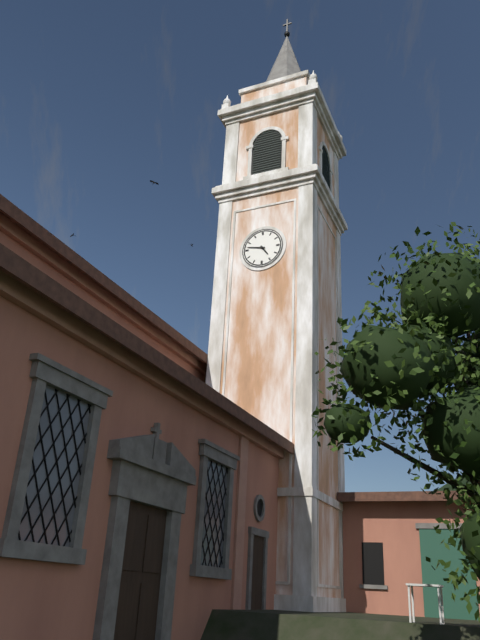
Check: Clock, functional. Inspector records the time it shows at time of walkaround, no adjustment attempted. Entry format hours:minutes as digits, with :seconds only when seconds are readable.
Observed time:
4:47
